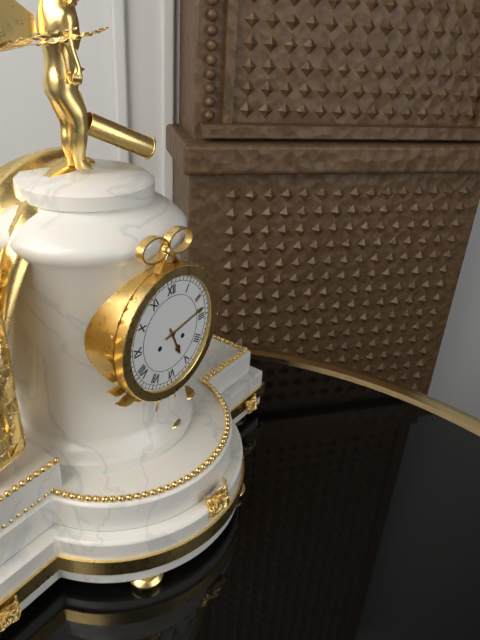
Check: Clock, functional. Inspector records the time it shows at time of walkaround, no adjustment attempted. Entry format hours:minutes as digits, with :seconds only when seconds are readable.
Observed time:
5:13
